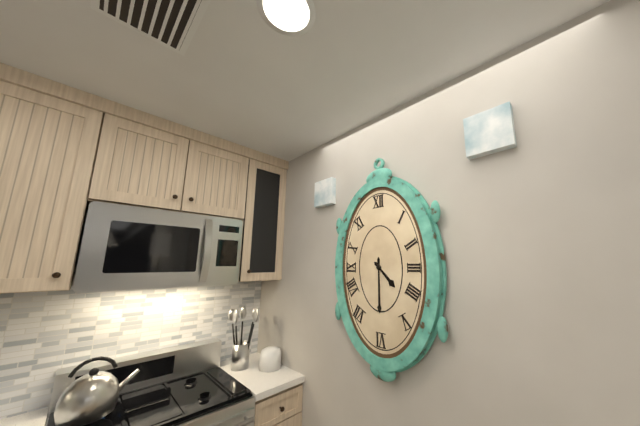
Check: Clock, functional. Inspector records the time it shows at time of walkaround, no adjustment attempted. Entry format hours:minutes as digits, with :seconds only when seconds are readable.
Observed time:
4:30
